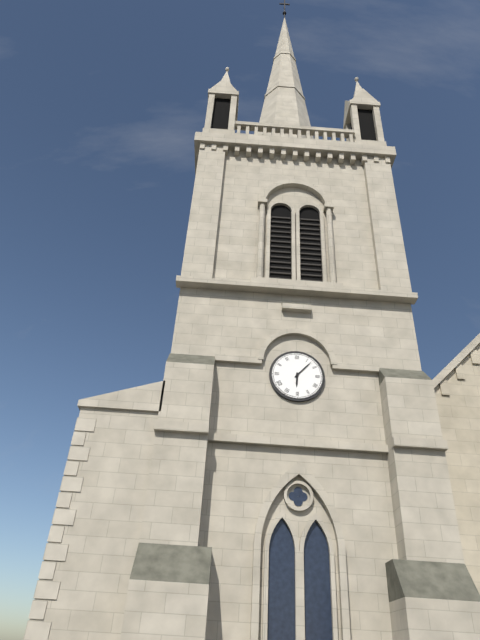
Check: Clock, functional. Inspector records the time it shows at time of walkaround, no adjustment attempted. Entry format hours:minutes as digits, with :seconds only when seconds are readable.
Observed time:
6:07
